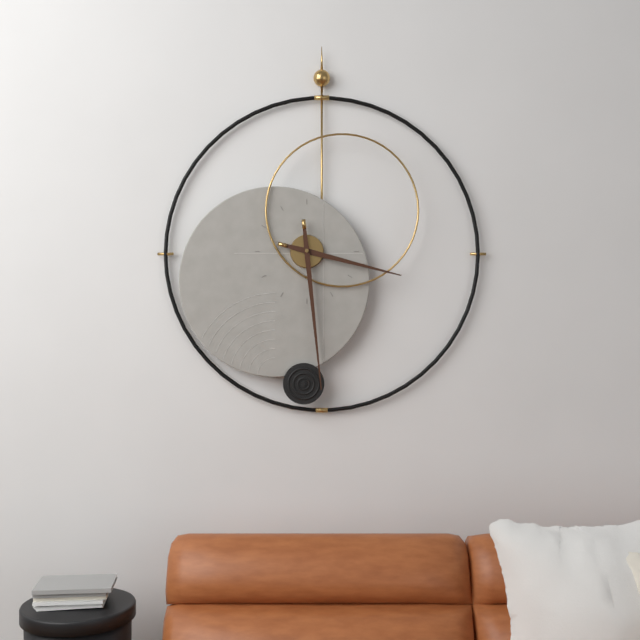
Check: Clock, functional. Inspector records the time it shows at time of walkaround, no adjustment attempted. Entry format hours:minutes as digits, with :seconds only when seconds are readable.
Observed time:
3:29
